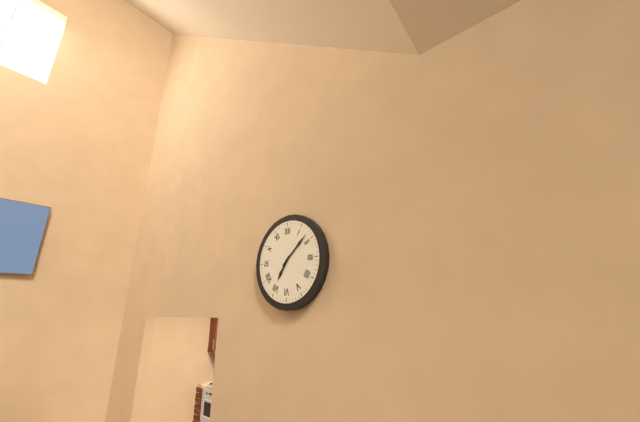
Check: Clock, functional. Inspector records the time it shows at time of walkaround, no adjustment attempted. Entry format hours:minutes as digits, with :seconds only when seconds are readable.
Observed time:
7:08
